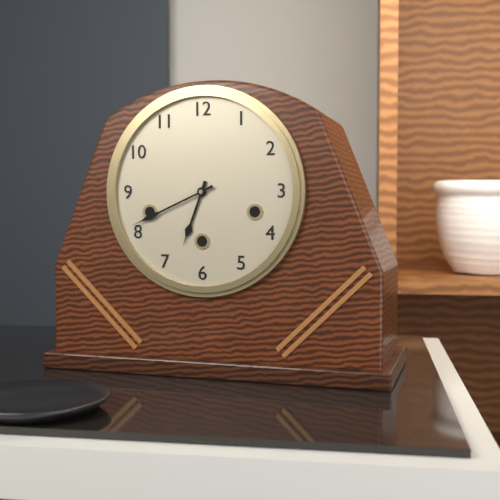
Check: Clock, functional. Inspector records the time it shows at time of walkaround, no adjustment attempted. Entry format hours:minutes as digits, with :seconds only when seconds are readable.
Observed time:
6:41
